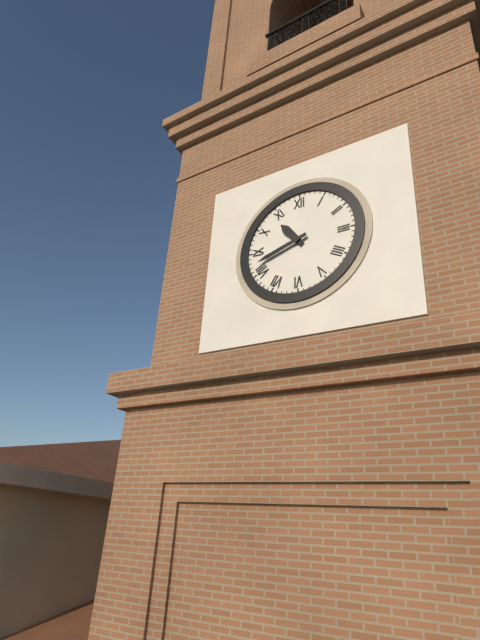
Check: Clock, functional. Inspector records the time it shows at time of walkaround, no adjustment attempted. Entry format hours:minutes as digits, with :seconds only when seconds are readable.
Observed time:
10:42
